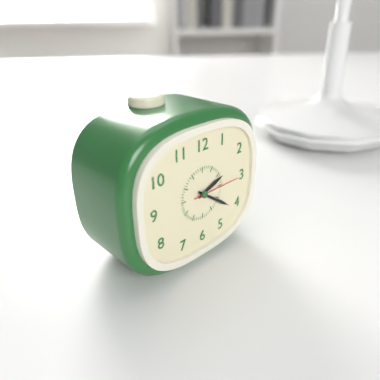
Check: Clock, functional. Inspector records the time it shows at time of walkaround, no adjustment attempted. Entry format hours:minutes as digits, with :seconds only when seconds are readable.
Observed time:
2:21
